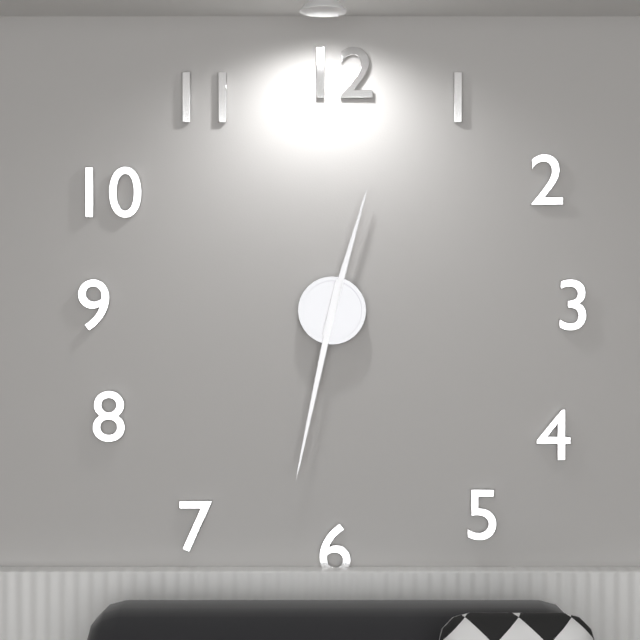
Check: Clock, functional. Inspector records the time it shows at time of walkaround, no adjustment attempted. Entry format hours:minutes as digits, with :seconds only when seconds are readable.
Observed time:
12:32
